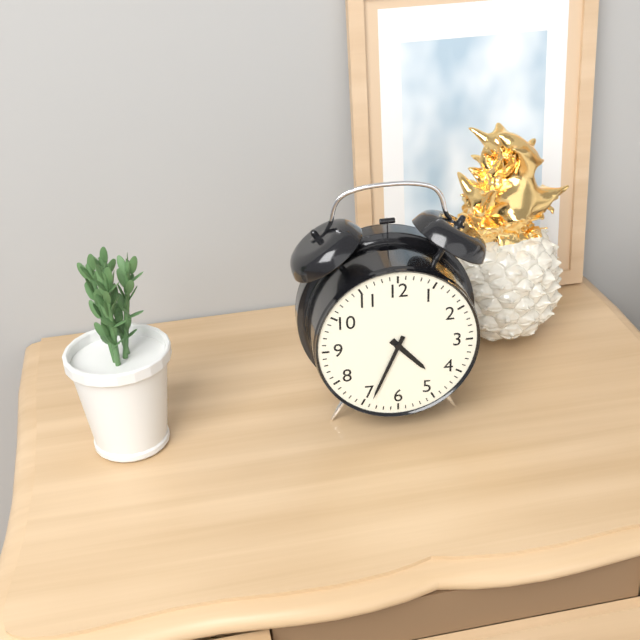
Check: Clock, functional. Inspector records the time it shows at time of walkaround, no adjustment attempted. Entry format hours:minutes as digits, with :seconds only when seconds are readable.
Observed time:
4:34
